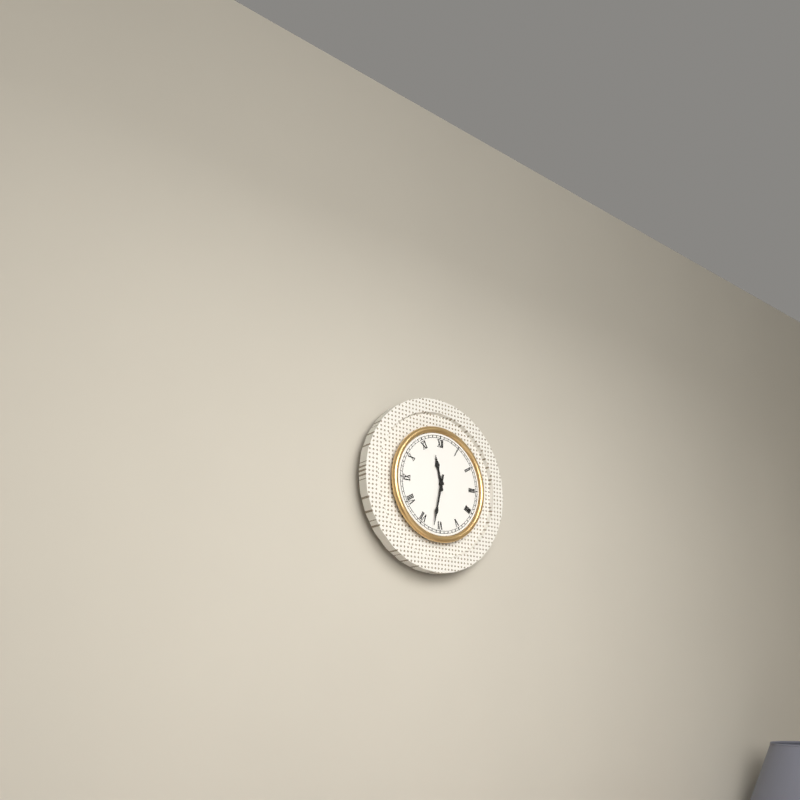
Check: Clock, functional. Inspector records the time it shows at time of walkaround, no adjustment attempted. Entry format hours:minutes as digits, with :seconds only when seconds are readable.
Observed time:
11:32
